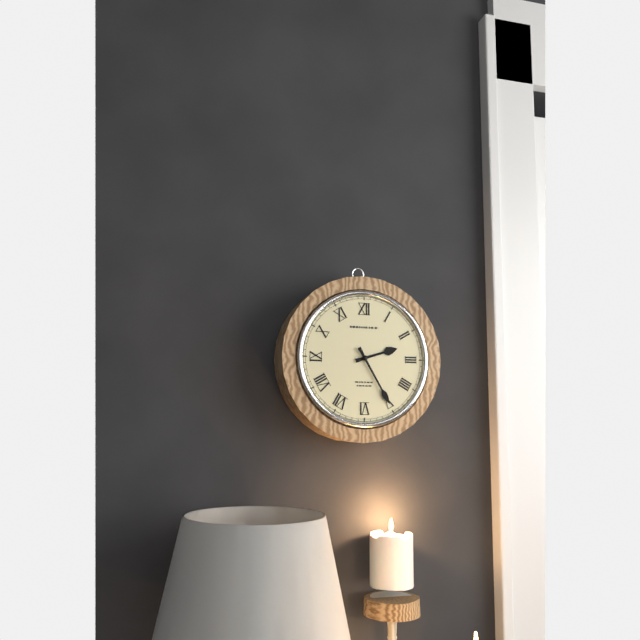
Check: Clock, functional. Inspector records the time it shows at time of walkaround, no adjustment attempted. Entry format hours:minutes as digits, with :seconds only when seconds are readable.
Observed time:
2:25
